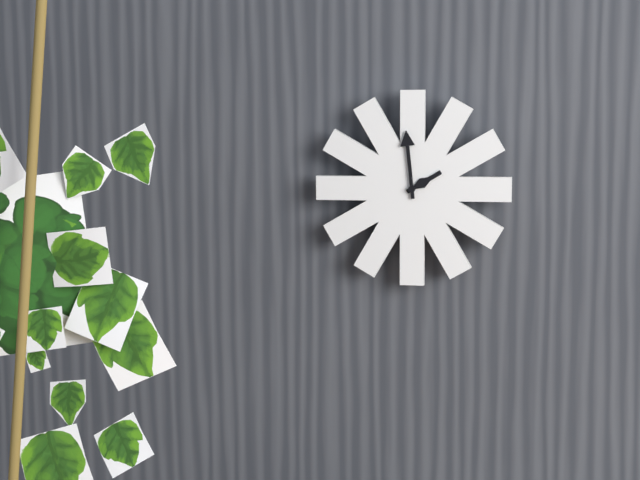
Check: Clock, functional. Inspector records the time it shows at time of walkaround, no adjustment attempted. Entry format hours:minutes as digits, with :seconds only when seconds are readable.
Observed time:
1:59
